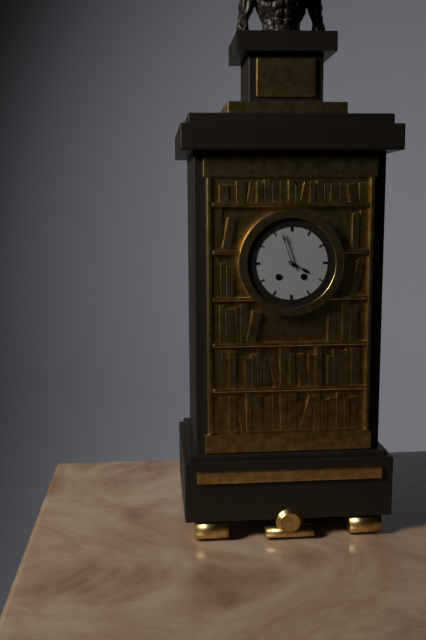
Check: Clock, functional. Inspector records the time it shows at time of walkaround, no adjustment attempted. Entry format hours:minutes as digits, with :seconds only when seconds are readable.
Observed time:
3:57
